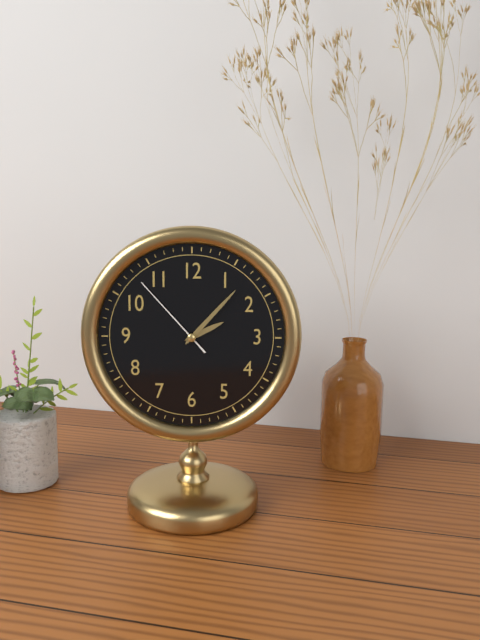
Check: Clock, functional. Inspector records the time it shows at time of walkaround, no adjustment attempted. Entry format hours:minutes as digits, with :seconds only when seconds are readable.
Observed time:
2:07:53
